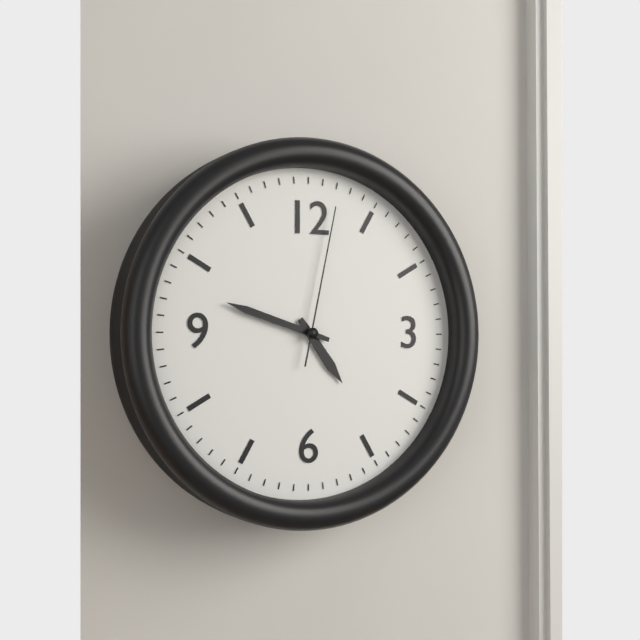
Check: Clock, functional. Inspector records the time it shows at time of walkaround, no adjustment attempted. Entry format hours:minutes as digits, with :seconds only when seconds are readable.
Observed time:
4:48:02
